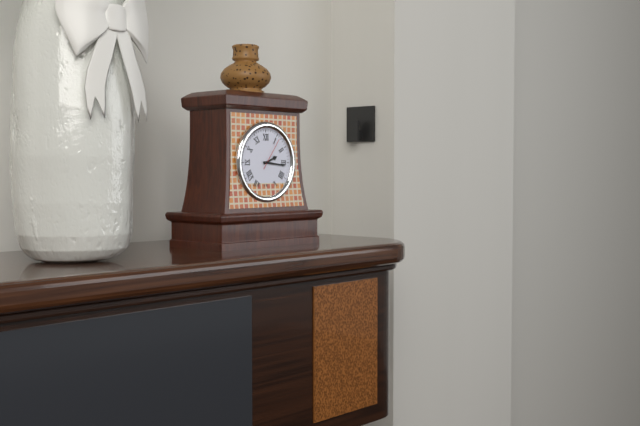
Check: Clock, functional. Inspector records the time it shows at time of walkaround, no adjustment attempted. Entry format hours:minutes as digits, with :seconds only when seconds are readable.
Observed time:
2:16
